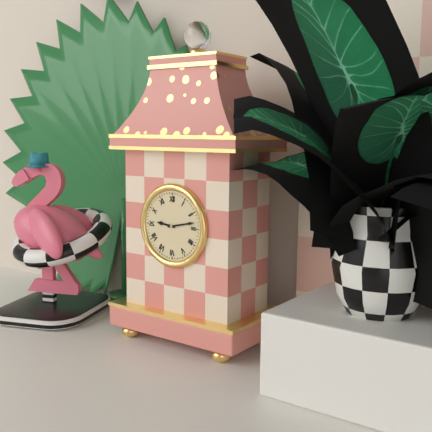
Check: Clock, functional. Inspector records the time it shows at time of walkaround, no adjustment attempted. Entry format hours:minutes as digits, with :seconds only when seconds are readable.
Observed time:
9:13
